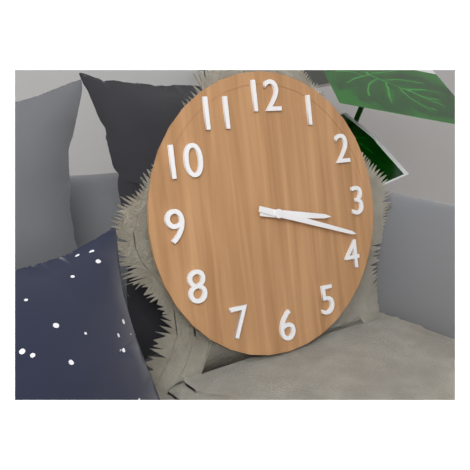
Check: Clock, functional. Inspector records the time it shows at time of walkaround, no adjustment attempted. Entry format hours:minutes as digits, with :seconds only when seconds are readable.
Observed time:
3:18
